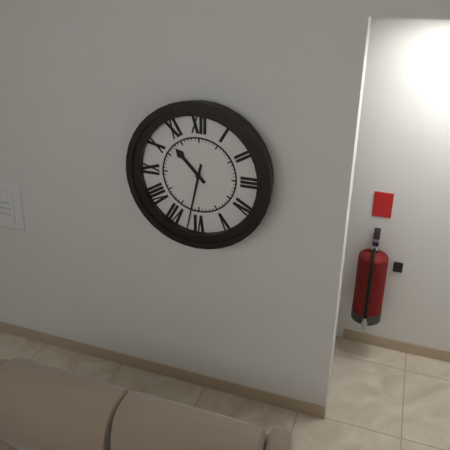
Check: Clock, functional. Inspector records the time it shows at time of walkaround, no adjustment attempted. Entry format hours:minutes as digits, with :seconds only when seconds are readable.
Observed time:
10:32
